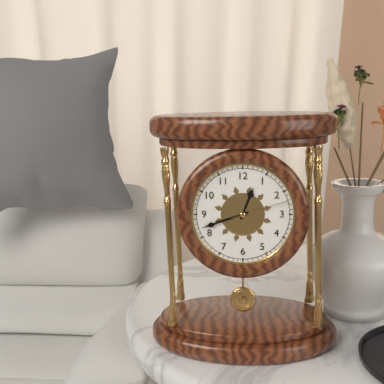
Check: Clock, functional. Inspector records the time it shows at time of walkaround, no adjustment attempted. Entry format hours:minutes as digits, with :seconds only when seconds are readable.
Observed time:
12:42:12
